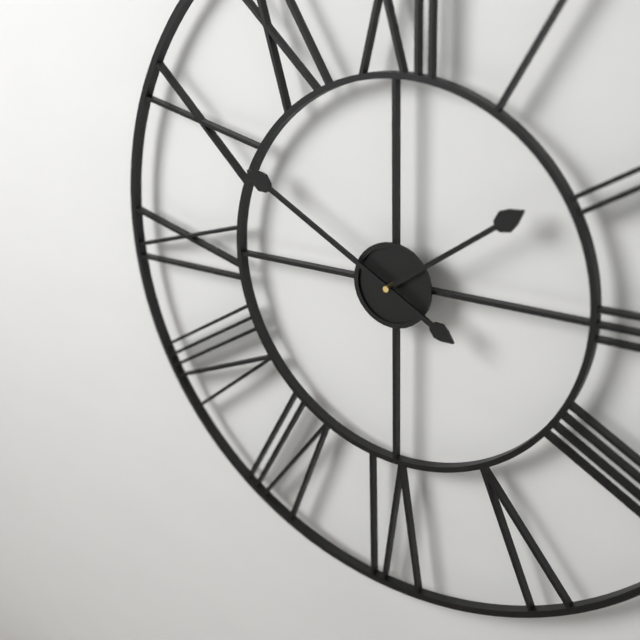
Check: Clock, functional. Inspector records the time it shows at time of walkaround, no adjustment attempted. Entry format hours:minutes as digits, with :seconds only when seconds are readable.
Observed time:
1:50
